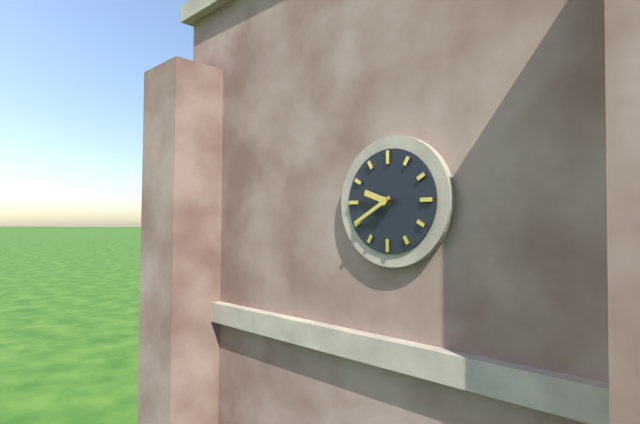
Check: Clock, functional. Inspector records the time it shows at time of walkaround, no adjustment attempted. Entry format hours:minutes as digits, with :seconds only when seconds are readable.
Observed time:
9:40
